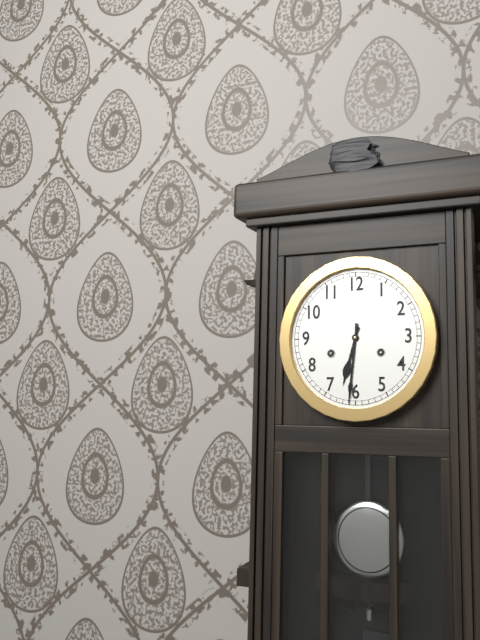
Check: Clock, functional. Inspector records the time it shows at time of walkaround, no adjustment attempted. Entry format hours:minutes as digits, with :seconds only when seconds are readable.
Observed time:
6:31
